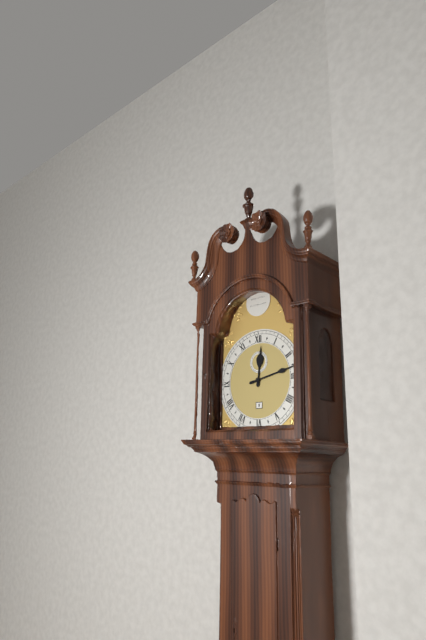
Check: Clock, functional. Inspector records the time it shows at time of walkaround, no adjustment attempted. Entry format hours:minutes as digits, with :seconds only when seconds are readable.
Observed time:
12:13
